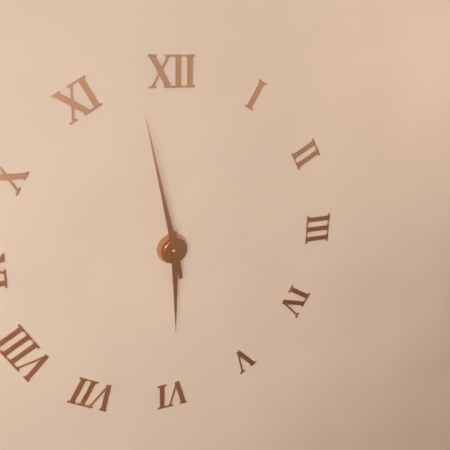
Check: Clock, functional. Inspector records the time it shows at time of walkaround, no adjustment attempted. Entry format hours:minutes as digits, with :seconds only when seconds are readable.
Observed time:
5:58
